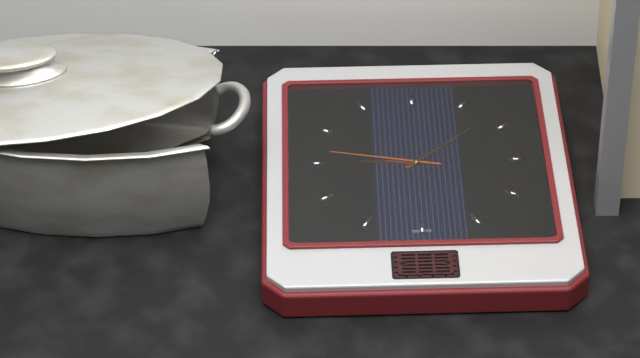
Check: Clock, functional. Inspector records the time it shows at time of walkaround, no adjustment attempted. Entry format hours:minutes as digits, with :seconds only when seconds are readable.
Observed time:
9:08:47
